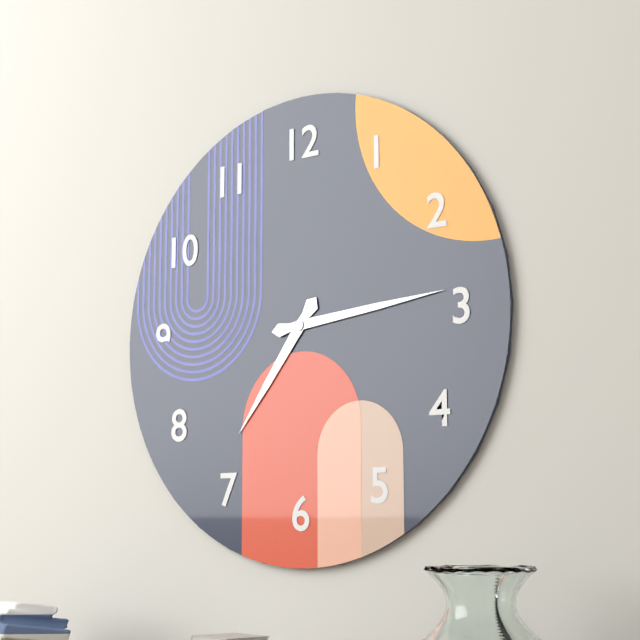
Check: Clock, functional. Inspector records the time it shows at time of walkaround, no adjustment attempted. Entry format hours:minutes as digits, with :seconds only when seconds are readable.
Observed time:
7:14
